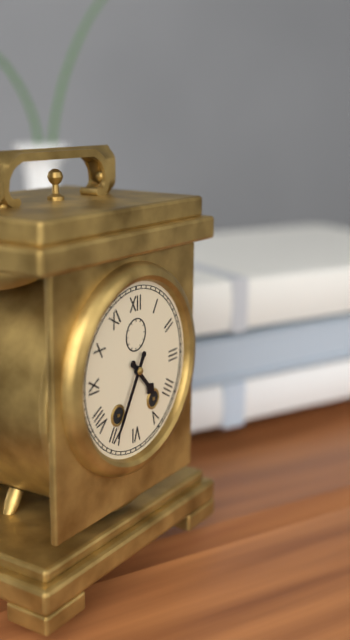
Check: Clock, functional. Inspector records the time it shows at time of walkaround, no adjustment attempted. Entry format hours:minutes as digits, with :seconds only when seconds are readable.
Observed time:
4:35
